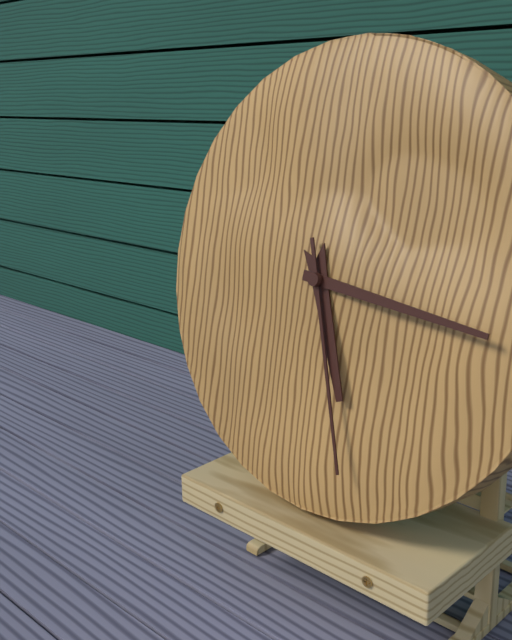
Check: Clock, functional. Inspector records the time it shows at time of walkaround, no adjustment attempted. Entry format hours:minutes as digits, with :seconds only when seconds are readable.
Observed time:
5:16:27
